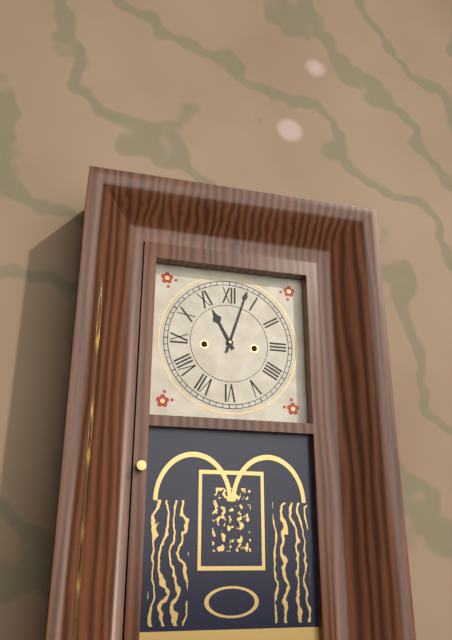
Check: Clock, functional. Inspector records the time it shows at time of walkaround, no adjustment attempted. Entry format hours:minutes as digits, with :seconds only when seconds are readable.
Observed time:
11:03
